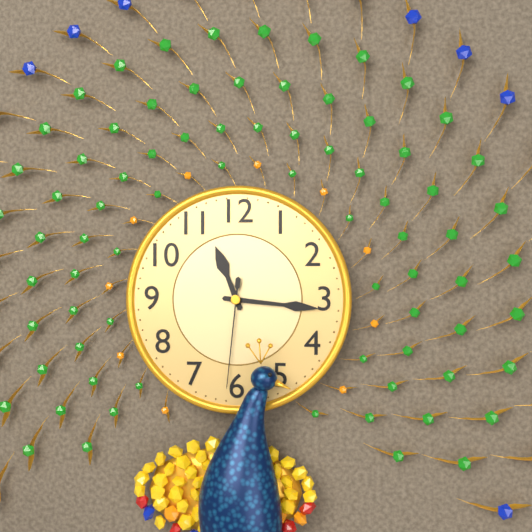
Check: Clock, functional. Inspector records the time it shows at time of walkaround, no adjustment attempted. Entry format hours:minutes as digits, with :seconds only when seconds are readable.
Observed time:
11:16:31
